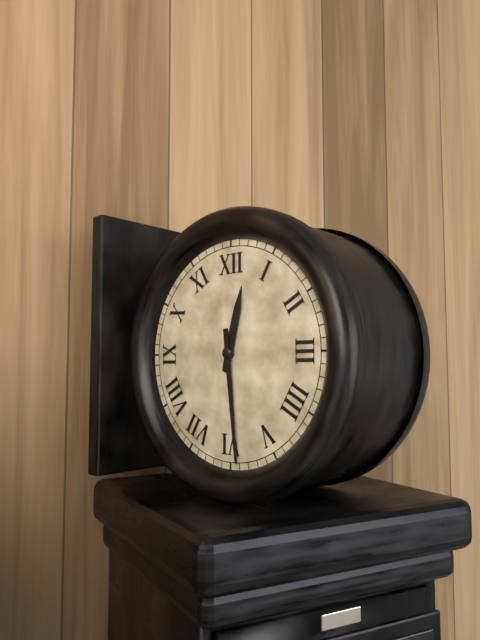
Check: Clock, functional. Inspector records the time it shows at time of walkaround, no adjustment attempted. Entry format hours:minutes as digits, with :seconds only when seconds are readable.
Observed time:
12:29
